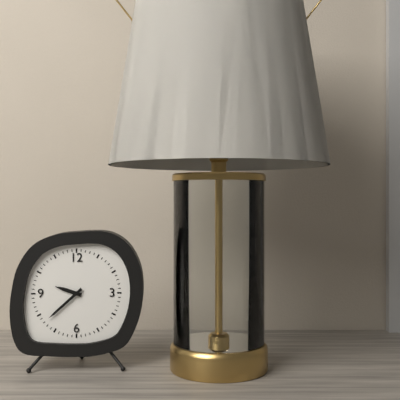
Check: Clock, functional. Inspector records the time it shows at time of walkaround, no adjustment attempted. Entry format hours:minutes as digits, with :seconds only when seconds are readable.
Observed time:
9:38
